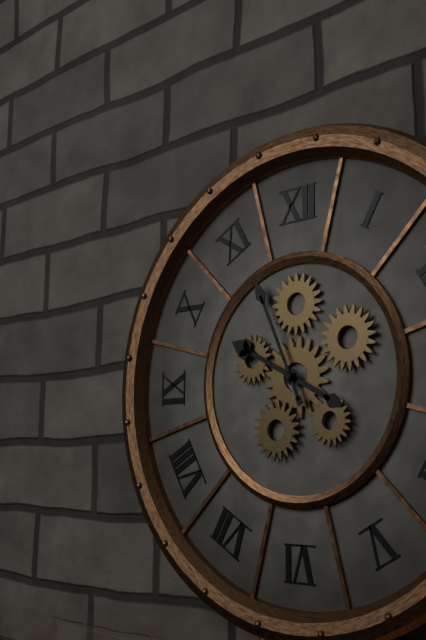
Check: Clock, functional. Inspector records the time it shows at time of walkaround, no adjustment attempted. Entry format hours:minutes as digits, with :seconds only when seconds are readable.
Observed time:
9:56
